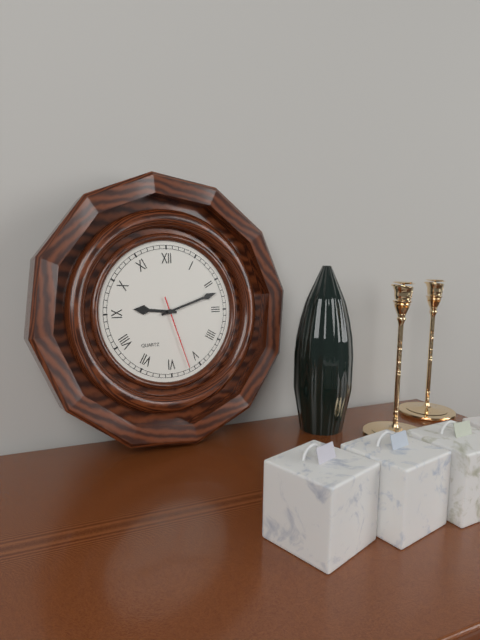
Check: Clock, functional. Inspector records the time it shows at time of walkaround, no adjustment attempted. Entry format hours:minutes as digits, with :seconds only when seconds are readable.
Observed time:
9:12:27
